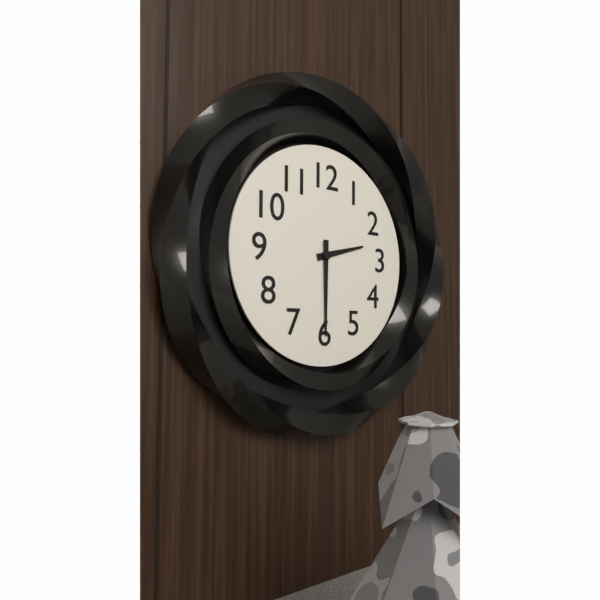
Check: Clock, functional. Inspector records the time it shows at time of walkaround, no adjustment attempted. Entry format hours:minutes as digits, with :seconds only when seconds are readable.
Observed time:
2:30
